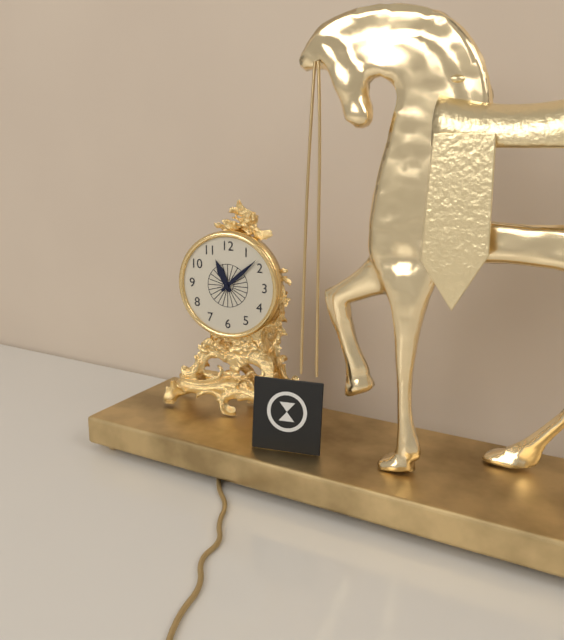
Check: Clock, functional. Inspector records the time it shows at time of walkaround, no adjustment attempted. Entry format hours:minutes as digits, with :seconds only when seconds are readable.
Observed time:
11:08
